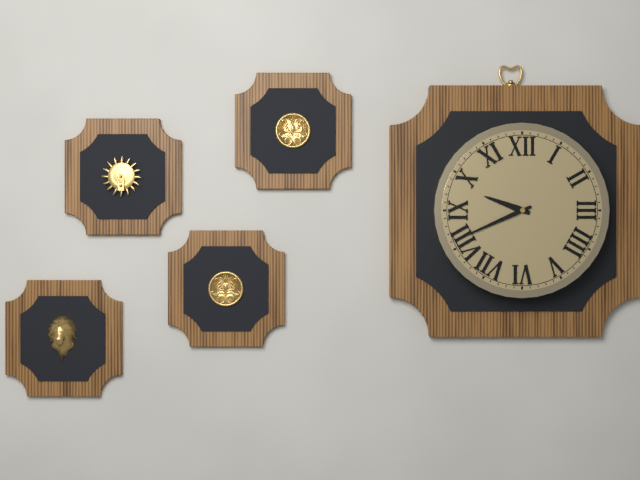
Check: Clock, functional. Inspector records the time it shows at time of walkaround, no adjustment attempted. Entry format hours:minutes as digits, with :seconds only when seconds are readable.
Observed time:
9:41
